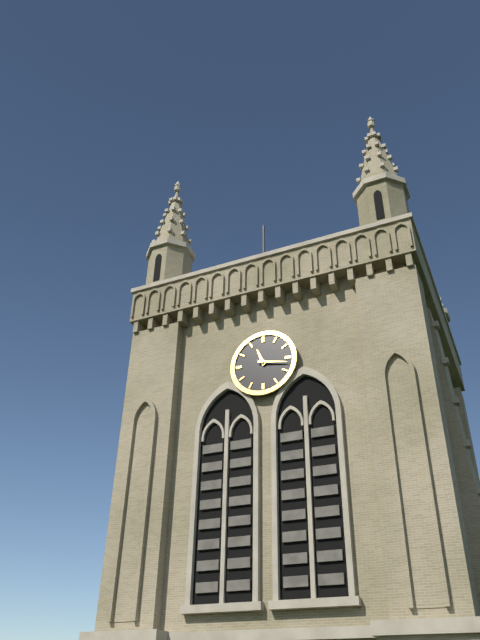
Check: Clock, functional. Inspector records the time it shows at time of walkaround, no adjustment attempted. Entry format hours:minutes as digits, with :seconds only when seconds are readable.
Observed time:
11:17
